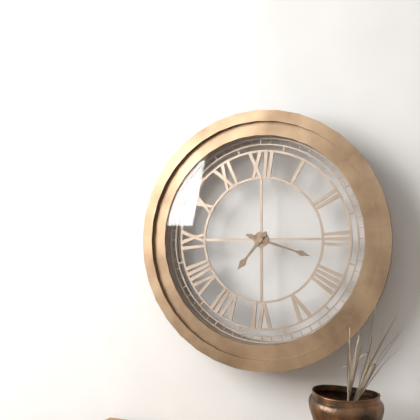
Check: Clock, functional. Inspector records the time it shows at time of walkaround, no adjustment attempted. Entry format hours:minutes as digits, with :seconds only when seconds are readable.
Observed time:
7:18
